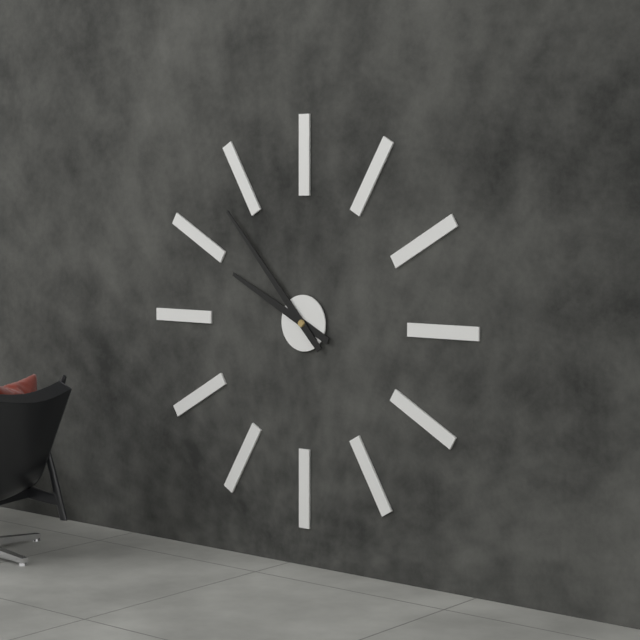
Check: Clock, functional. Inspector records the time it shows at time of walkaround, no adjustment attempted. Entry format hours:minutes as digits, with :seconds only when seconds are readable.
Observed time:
9:53
